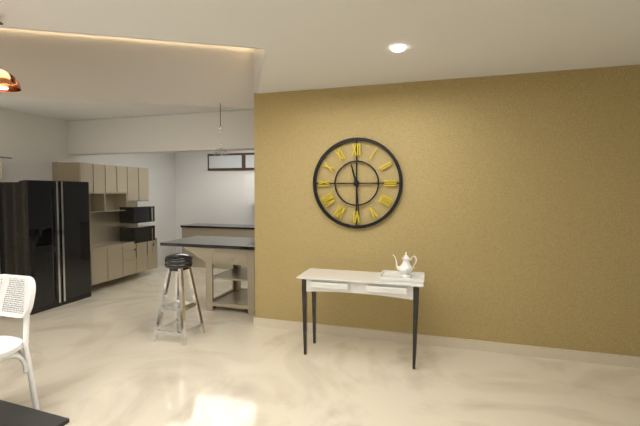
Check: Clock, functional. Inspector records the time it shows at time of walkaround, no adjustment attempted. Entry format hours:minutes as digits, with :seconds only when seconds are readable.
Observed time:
11:29
